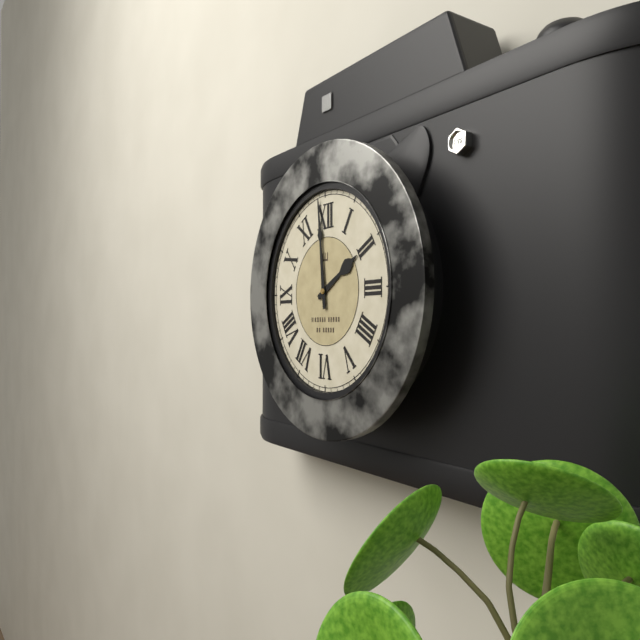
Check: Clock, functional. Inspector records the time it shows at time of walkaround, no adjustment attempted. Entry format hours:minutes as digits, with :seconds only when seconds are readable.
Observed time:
1:59
